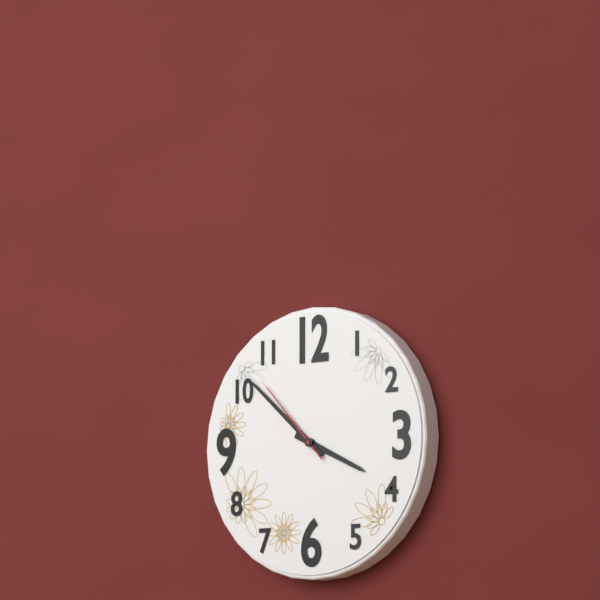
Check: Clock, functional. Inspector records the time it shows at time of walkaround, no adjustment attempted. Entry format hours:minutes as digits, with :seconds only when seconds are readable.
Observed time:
3:52:53
